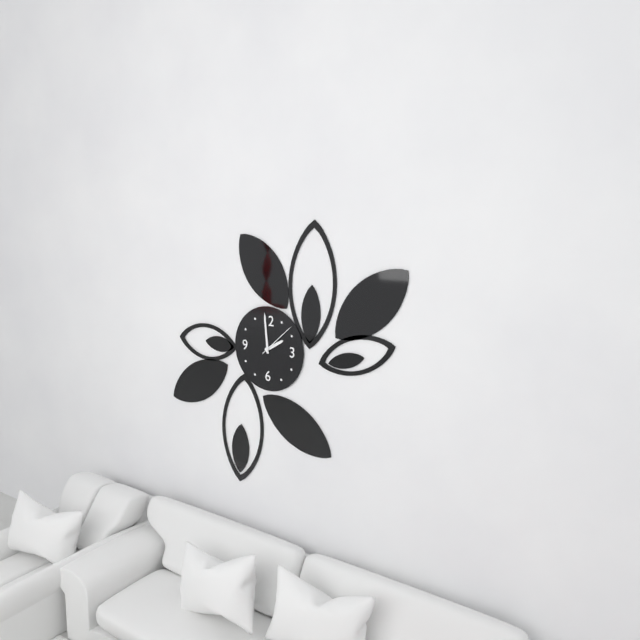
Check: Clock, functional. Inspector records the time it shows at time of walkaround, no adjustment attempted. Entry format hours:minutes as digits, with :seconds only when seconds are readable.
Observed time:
1:59
